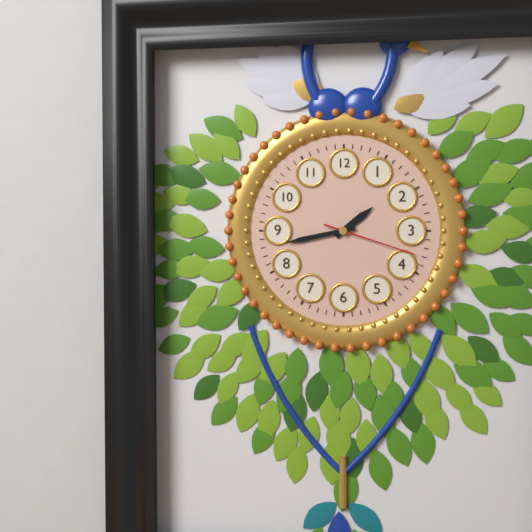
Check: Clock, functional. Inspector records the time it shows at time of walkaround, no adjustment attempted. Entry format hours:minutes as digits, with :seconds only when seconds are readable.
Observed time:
1:43:18
